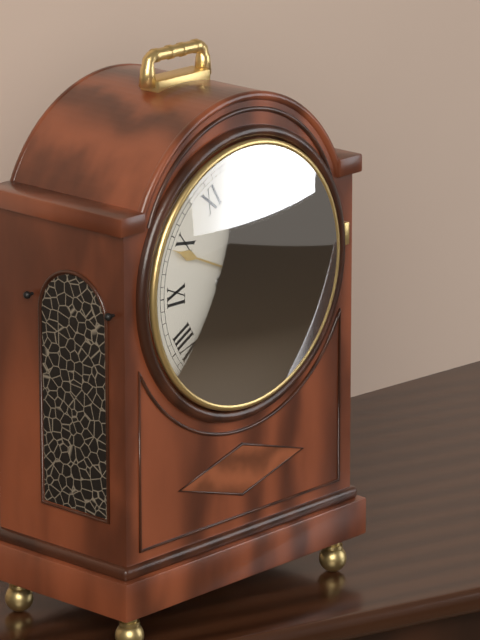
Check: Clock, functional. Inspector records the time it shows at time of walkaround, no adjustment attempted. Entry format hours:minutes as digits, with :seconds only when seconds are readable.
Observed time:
5:49
